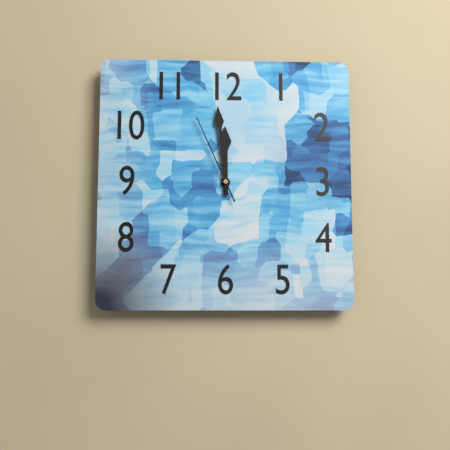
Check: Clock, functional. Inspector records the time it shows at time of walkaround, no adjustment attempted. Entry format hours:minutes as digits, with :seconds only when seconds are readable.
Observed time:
11:59:56
